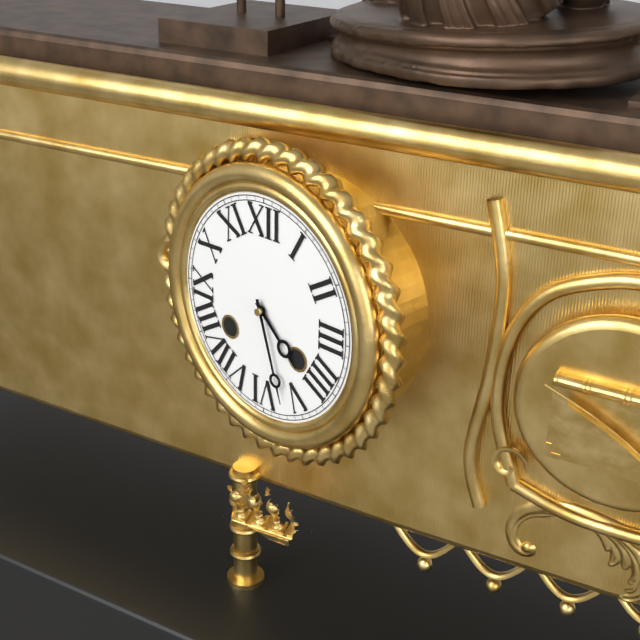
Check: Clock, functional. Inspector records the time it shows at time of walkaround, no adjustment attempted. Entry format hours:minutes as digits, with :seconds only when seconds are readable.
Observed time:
4:27
